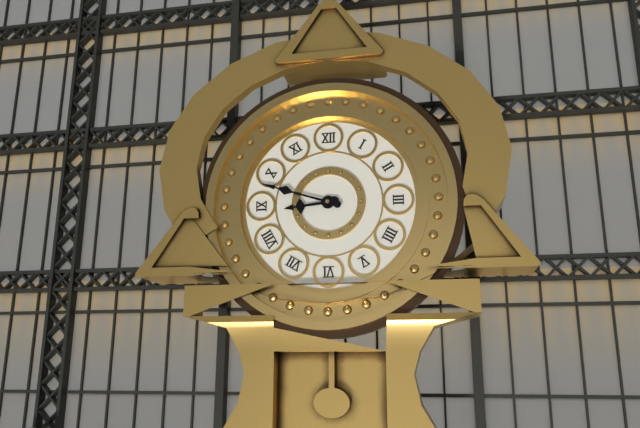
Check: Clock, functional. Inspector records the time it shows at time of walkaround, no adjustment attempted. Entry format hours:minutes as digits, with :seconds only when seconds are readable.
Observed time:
8:48
